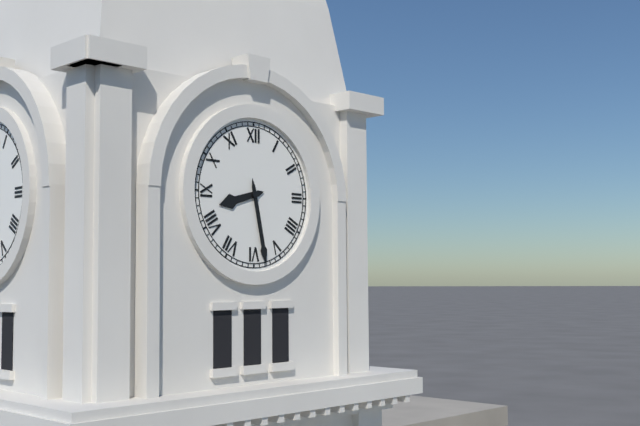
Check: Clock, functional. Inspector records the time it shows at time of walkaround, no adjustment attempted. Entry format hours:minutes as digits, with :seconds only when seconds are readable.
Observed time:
8:28
